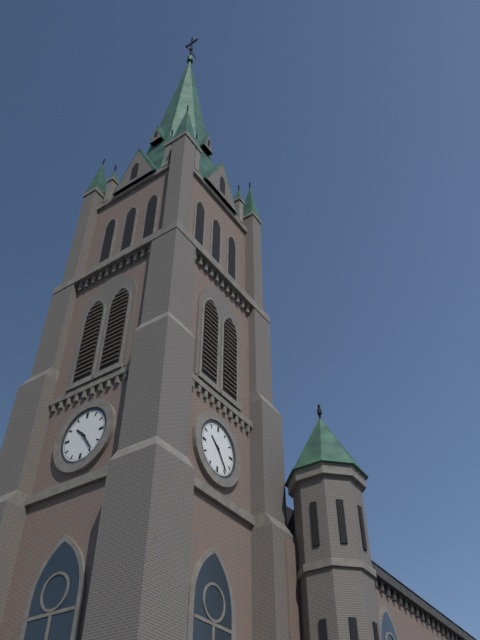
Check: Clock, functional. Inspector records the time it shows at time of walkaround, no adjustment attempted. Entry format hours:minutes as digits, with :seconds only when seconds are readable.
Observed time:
10:24
